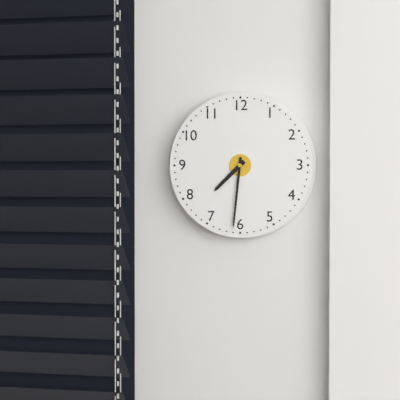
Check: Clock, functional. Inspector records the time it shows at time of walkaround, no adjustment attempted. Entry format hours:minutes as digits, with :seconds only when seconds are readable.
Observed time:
7:31
